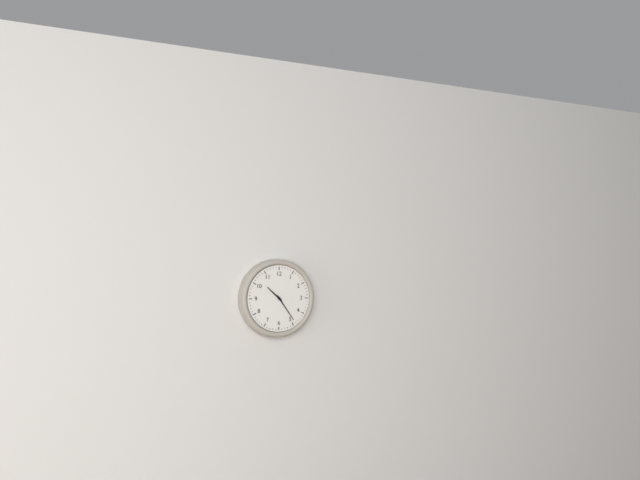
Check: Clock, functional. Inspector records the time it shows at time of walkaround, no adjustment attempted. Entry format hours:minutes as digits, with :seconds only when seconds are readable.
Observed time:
10:24
